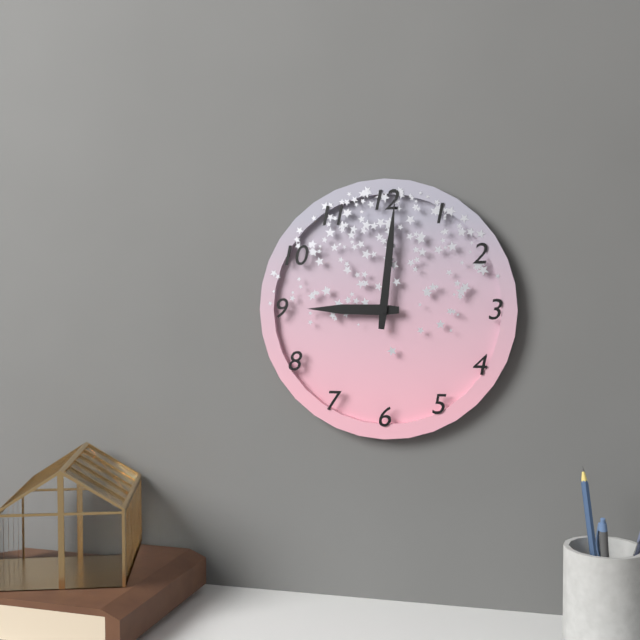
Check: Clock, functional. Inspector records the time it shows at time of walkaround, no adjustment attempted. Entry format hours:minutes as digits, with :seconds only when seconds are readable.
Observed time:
9:01
